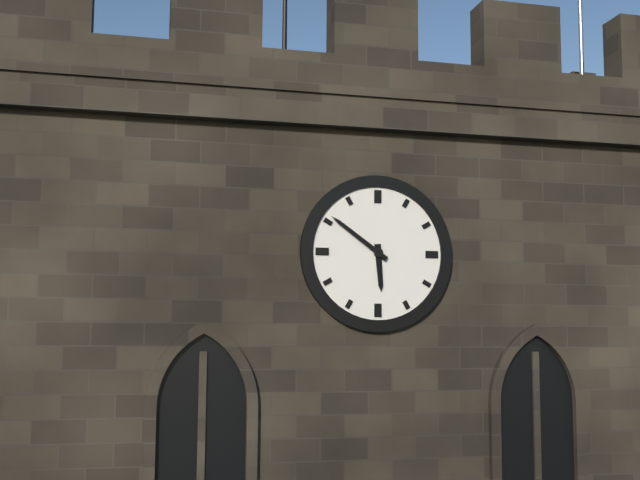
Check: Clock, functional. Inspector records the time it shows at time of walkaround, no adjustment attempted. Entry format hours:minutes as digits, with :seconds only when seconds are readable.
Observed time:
5:51
